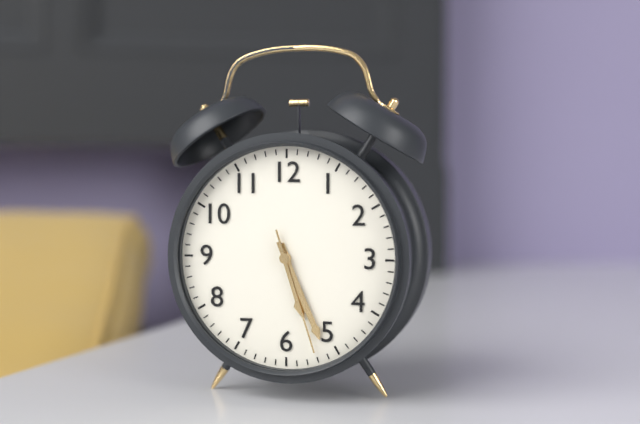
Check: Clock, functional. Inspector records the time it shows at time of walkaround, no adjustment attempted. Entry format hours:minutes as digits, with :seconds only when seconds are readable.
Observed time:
5:26:27
